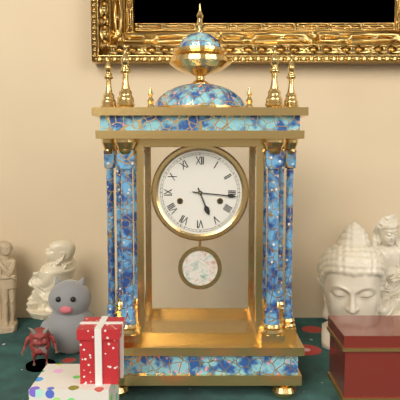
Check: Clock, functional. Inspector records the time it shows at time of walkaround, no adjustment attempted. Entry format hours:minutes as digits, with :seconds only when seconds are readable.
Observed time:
5:16
